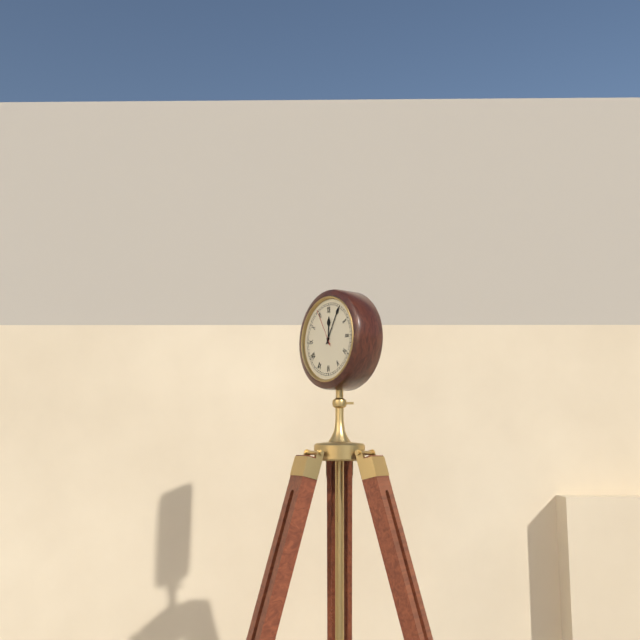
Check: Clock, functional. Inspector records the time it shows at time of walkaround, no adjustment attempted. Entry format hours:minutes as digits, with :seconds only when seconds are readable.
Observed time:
12:05
